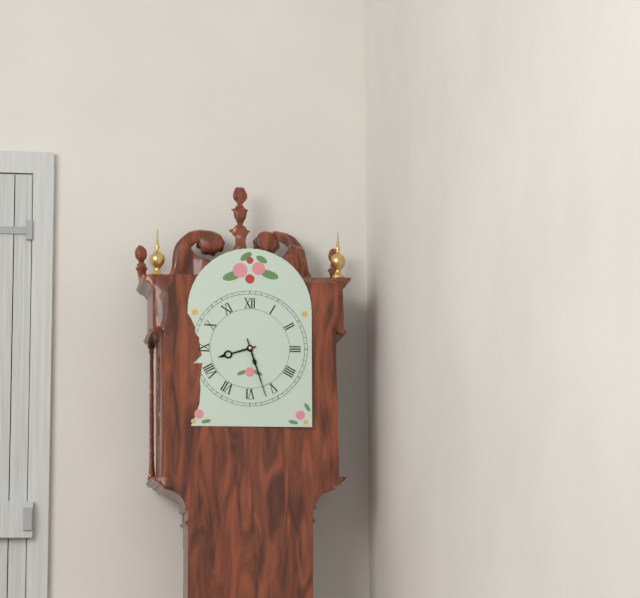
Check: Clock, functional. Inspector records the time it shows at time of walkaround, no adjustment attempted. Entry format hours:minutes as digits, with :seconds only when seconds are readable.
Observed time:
8:27
